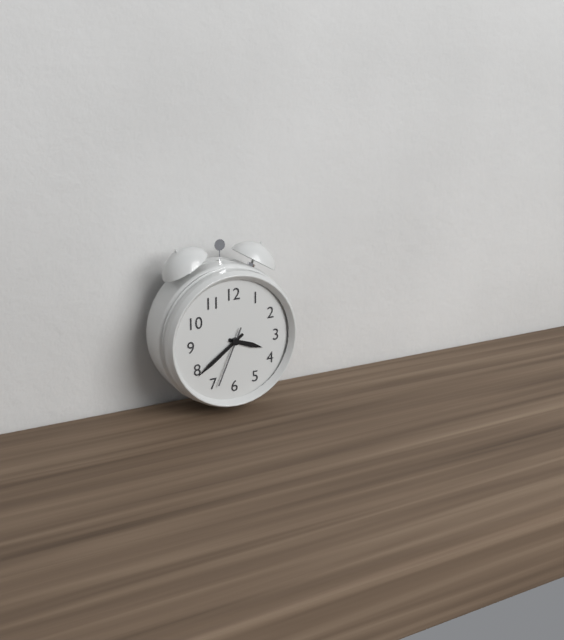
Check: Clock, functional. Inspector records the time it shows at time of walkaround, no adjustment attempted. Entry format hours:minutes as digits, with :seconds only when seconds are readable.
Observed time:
3:39:34
